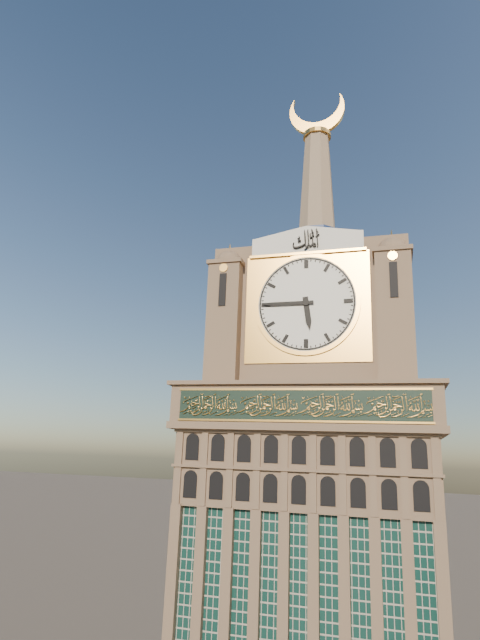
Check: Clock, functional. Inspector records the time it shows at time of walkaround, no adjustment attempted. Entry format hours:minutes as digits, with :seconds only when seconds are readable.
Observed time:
5:45
